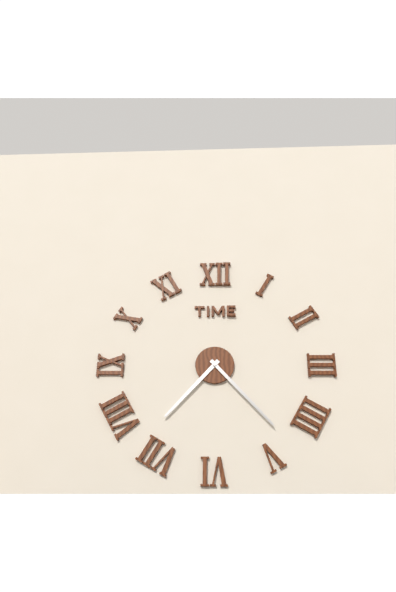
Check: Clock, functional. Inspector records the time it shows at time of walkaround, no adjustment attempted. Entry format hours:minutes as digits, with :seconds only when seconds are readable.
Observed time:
7:23
